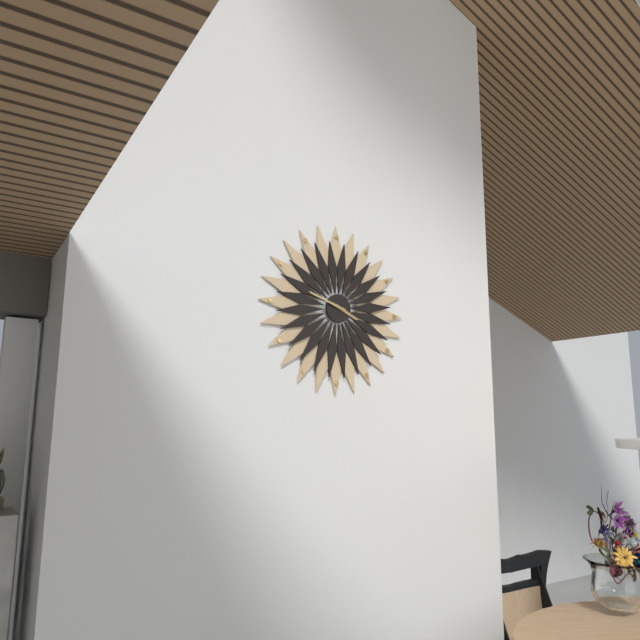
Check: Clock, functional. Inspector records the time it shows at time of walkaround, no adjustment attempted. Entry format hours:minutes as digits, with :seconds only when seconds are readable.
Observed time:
3:48
